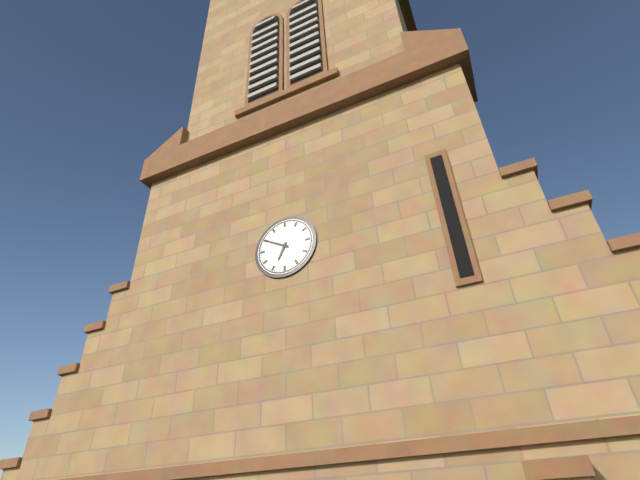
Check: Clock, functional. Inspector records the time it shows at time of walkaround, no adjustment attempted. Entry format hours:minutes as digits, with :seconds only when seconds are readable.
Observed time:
6:50
